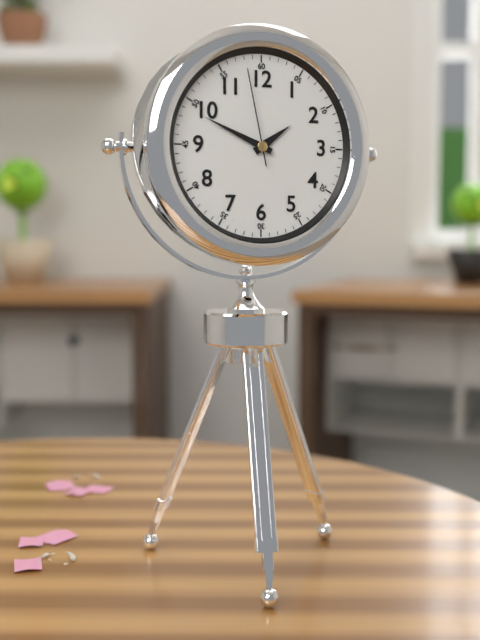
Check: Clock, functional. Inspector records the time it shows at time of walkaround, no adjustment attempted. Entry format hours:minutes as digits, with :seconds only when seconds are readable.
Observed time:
1:49:58
